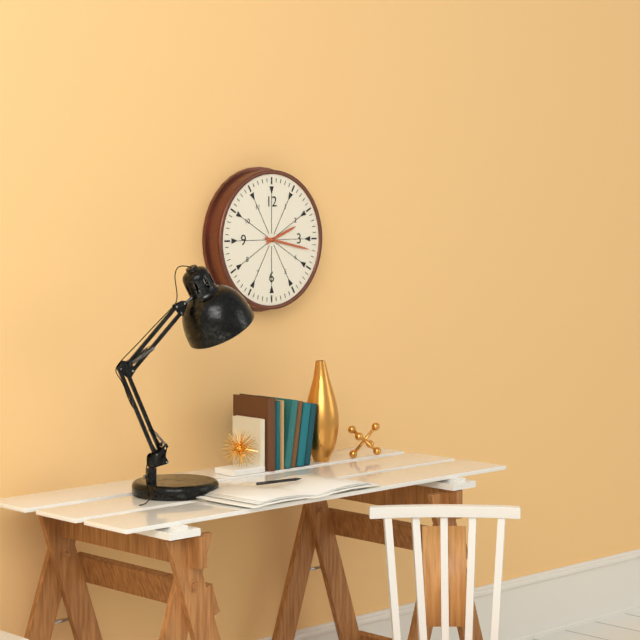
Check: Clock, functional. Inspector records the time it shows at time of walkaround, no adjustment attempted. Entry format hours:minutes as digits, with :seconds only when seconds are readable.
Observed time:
2:17
